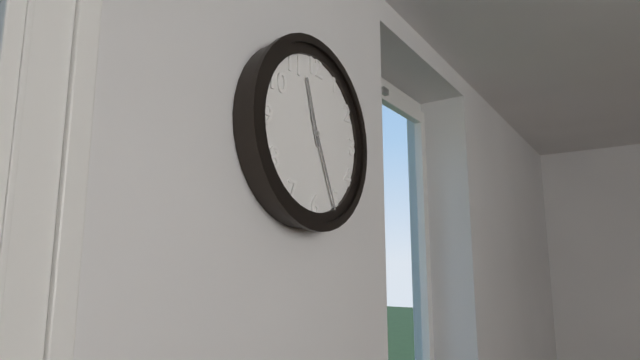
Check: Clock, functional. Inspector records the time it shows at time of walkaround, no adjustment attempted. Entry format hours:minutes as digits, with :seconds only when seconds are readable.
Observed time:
11:26
